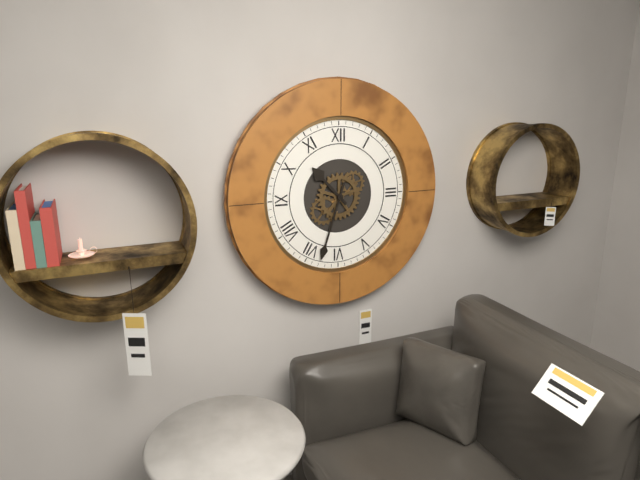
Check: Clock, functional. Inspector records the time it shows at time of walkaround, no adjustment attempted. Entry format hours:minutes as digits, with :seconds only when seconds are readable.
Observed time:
10:33
